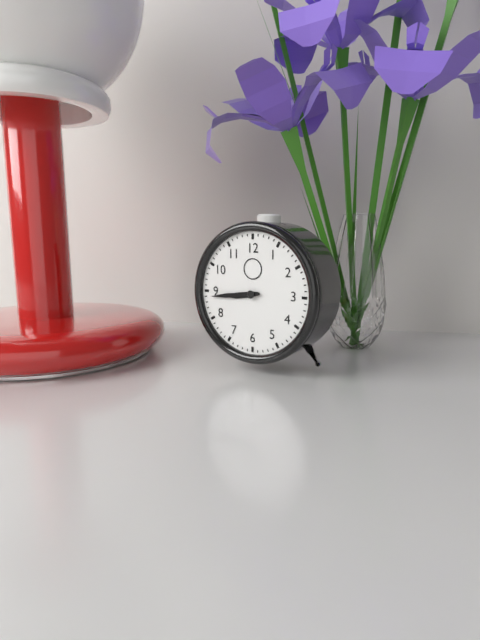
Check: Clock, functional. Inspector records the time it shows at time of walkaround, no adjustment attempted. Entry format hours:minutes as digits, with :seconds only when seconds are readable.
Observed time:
8:44
